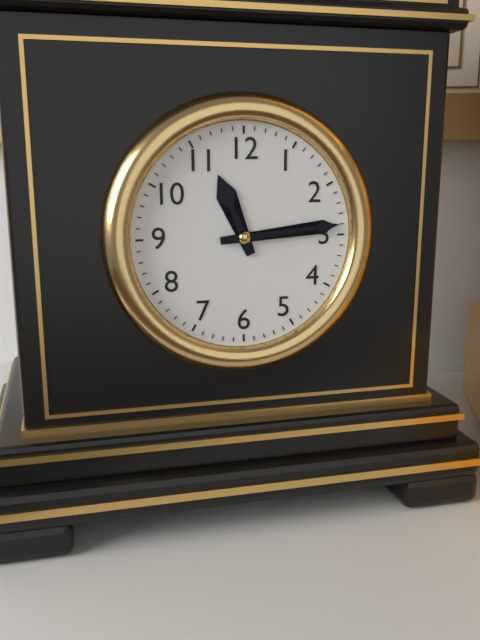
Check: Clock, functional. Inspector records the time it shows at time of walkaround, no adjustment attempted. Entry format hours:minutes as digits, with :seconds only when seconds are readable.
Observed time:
11:14
